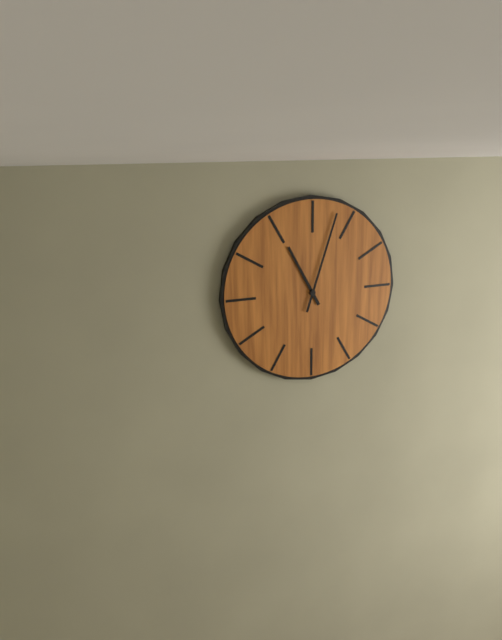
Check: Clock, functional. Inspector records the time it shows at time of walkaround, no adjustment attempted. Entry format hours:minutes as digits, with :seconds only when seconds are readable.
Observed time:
11:03
